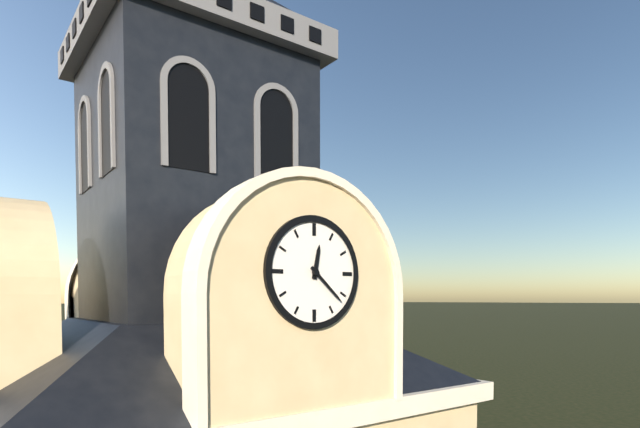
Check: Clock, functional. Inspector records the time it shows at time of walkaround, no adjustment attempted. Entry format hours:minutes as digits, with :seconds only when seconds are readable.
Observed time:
12:22
